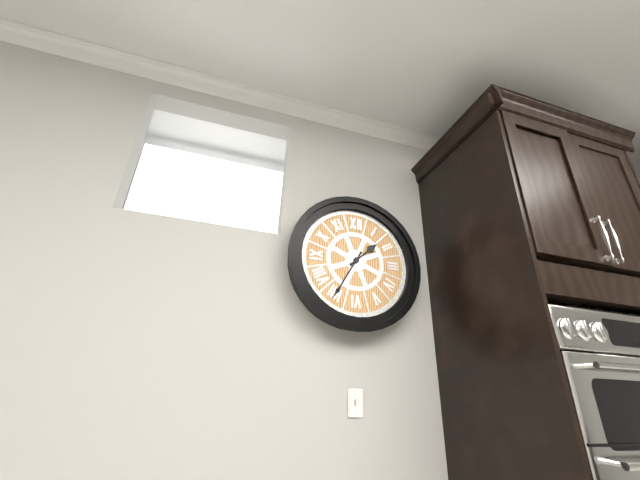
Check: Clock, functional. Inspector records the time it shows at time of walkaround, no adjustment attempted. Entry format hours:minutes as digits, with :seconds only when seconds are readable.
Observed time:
1:35
